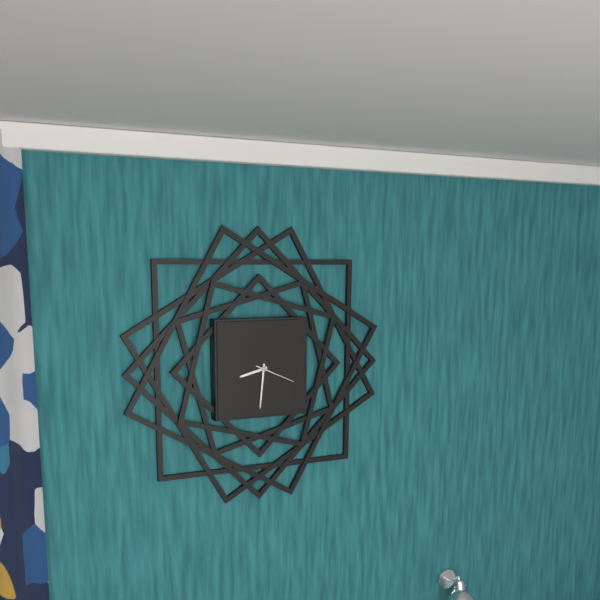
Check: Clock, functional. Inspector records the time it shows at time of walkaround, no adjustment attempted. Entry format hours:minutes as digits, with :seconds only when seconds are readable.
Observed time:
8:31
